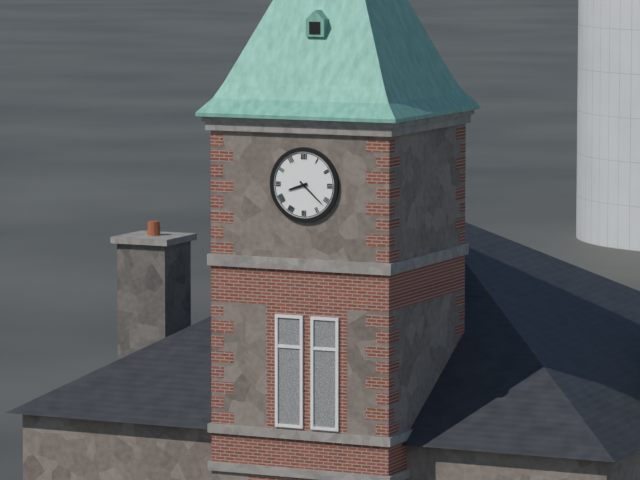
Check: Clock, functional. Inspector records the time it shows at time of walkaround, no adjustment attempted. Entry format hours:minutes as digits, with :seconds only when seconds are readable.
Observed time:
8:22
